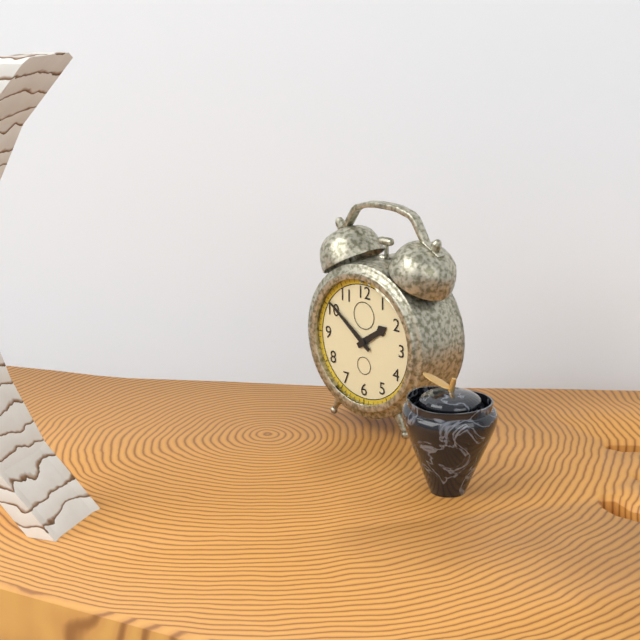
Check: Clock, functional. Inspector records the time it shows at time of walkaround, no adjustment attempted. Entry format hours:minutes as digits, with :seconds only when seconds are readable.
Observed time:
1:51
